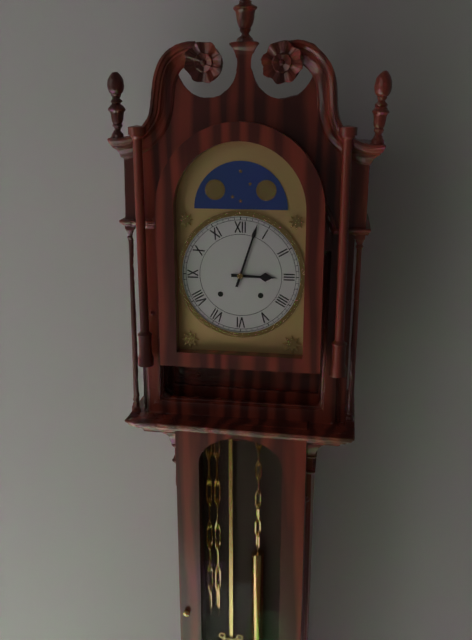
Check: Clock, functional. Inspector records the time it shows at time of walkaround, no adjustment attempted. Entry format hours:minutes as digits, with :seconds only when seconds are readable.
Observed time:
3:03
